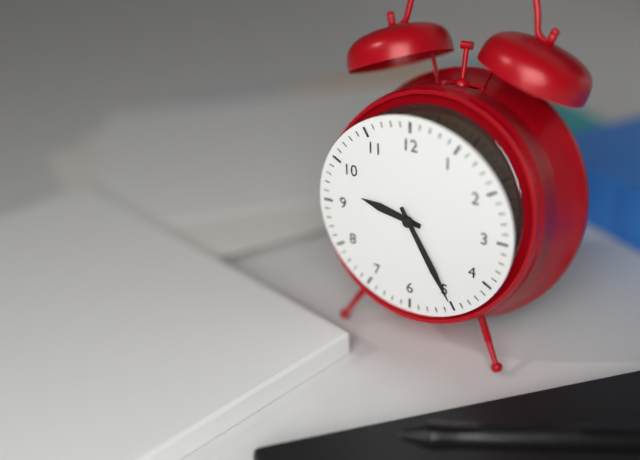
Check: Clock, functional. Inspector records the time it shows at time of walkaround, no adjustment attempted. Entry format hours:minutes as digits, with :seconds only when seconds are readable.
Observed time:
9:25
